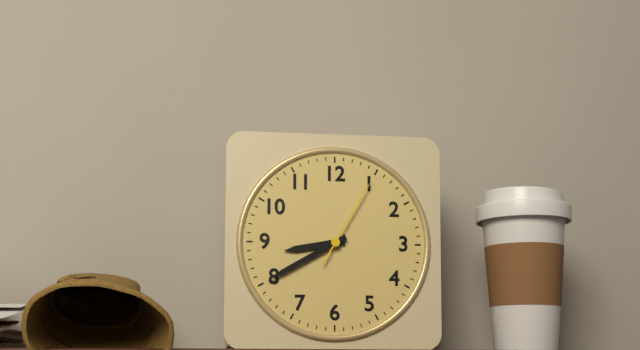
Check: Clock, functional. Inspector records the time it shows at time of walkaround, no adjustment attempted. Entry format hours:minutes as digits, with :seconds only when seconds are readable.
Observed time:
8:40:05
